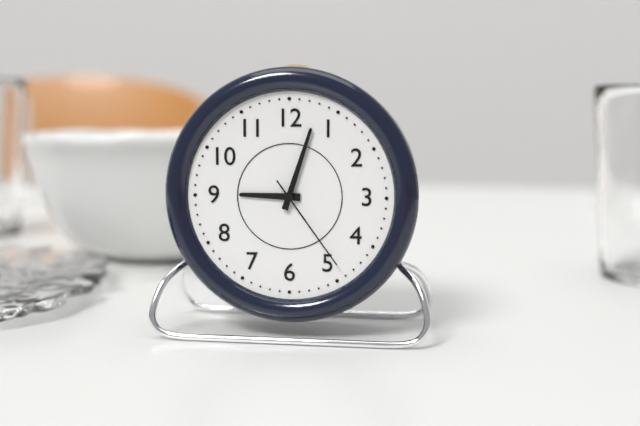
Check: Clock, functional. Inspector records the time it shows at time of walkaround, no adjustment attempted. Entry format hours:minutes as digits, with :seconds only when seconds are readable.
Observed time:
9:03:24
